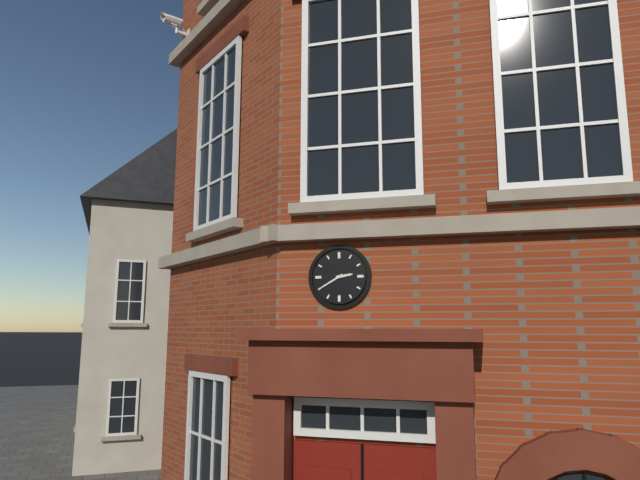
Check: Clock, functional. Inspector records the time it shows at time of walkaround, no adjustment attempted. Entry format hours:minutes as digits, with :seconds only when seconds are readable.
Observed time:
2:40
